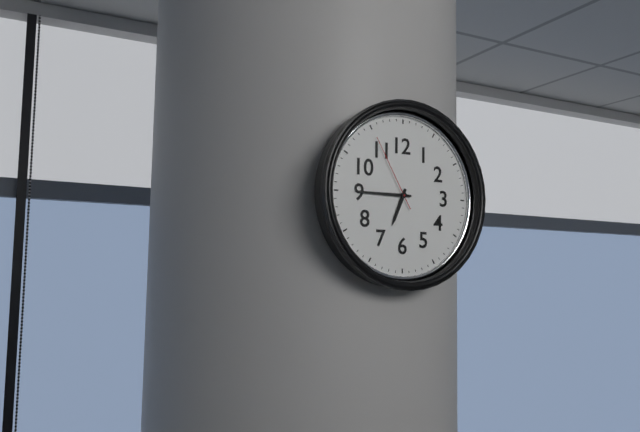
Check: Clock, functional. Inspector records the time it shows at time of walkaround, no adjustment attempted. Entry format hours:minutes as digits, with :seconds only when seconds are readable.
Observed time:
6:45:55
